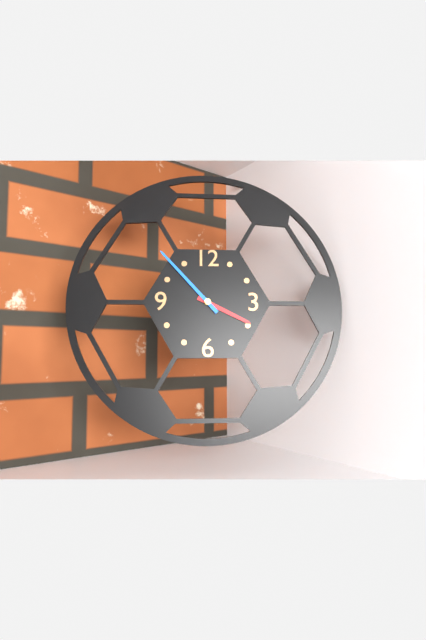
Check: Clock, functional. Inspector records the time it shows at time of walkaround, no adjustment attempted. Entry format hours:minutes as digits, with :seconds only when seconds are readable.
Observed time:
3:53
